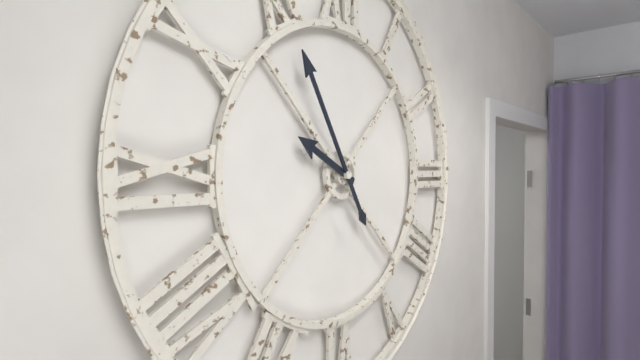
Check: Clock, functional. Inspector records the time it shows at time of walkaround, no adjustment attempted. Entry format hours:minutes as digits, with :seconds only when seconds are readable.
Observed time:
9:55
